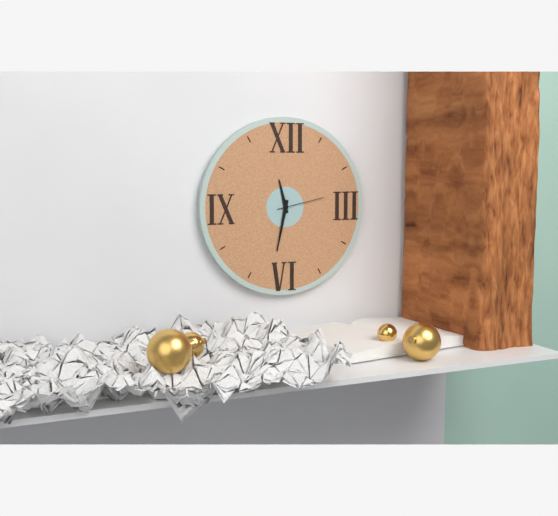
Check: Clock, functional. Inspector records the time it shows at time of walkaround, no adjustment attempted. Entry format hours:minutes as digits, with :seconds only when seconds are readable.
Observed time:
11:32:13
